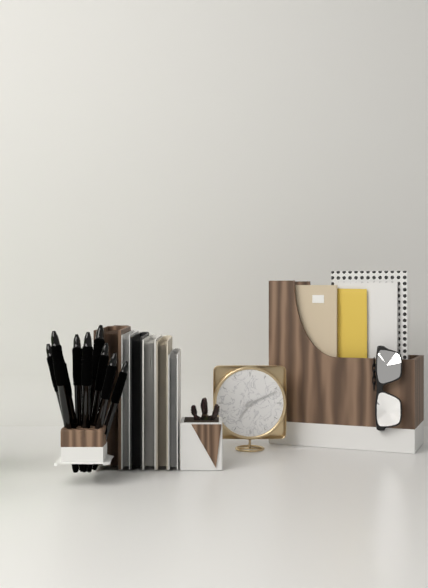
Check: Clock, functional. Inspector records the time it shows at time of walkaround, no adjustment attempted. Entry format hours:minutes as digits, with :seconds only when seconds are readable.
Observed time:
7:11
